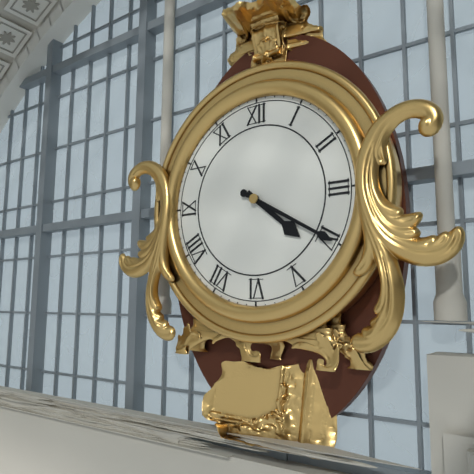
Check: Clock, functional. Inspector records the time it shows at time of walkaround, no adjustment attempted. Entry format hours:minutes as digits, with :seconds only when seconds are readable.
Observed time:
4:20
